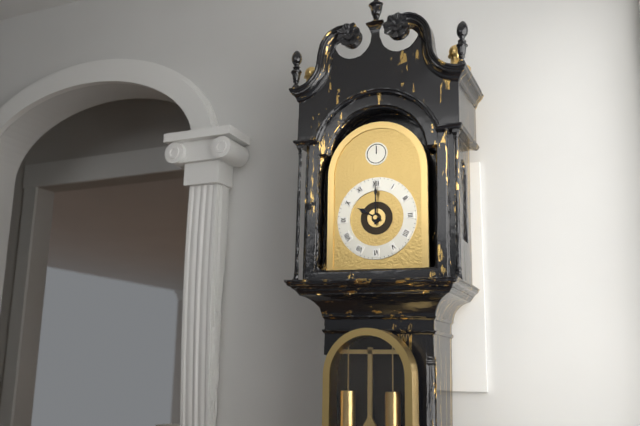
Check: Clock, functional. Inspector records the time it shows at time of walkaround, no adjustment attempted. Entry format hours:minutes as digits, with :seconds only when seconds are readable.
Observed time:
10:00
